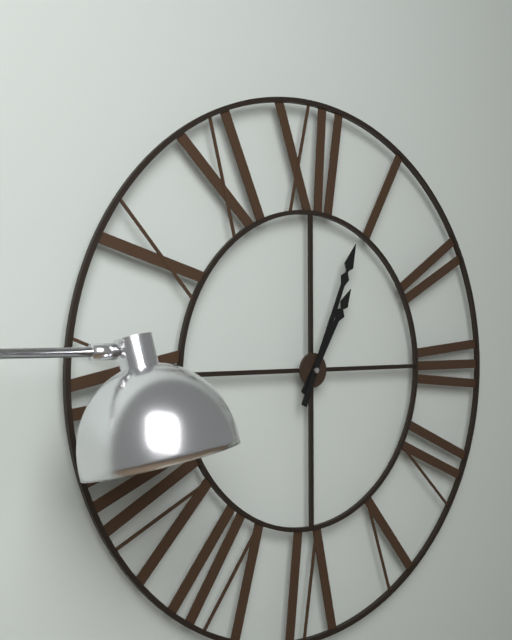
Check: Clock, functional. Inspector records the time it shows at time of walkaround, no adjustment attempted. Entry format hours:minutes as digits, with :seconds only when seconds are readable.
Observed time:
1:04
